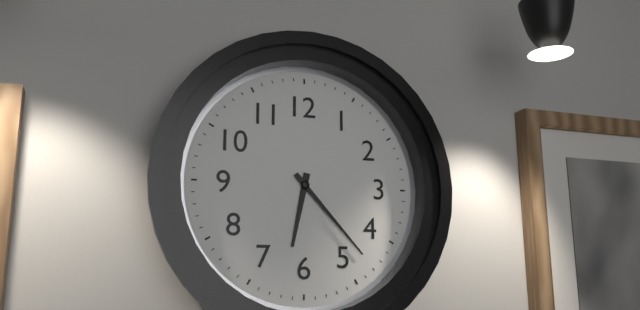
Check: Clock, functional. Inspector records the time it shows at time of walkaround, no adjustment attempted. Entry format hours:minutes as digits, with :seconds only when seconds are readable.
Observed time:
6:23
